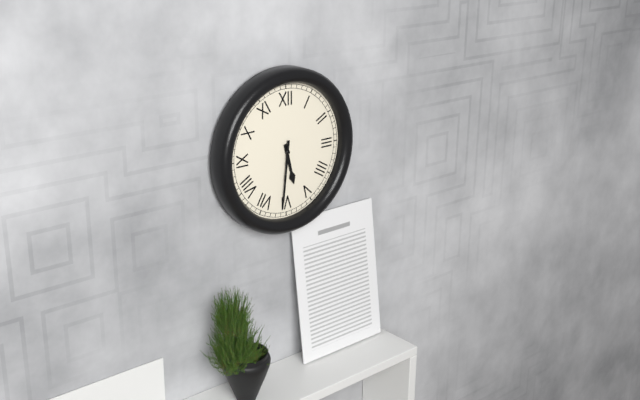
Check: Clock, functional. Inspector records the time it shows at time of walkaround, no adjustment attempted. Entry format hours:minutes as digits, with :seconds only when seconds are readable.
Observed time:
5:31
